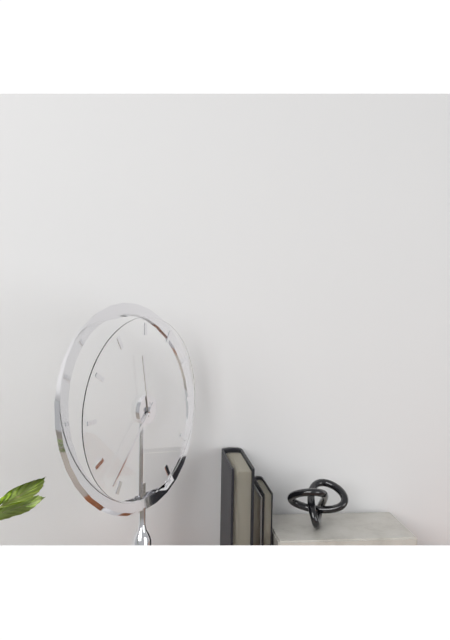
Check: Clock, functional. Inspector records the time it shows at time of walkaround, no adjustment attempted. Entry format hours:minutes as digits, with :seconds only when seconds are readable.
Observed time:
11:37
